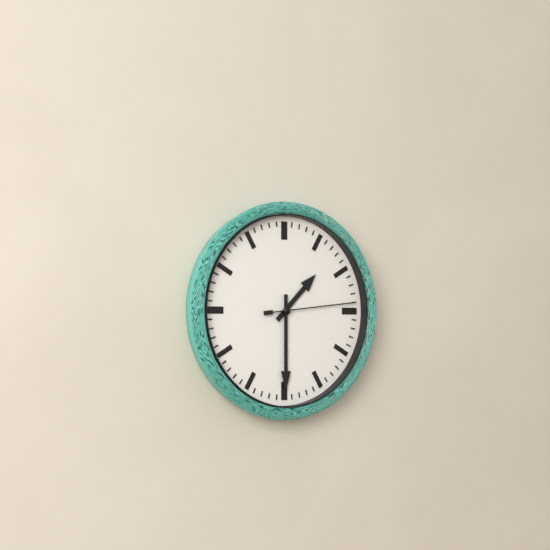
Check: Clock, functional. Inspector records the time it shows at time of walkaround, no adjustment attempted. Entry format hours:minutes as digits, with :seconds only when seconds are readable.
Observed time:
1:30:14
